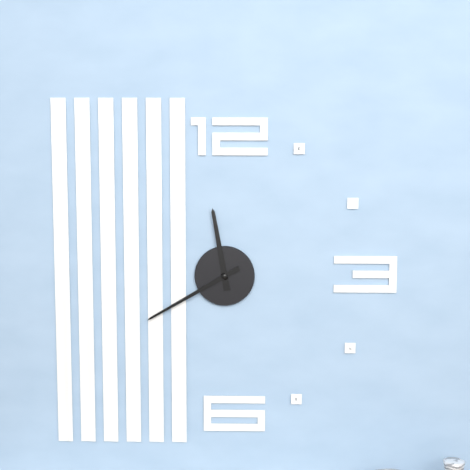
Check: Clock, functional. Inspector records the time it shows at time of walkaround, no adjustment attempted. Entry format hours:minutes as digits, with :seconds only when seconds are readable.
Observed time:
11:40
